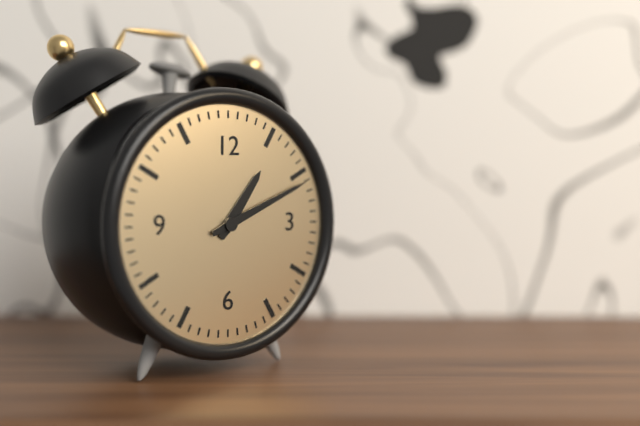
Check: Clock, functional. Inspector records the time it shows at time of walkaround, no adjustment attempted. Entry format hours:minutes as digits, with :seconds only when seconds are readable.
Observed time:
1:11
